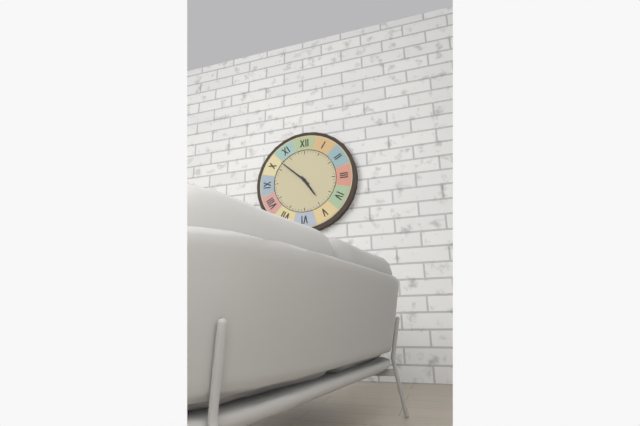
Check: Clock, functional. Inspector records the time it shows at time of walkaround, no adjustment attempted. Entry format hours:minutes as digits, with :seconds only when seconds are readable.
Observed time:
4:52
